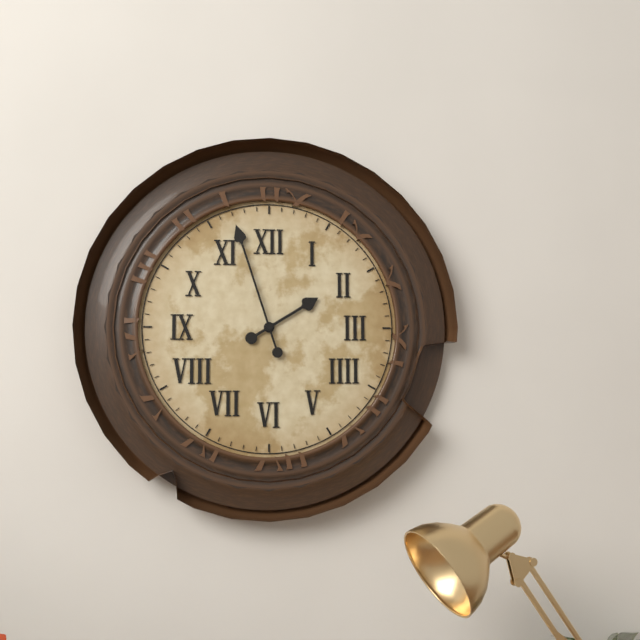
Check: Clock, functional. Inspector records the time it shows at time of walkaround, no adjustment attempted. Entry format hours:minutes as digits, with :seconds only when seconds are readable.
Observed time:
1:57
